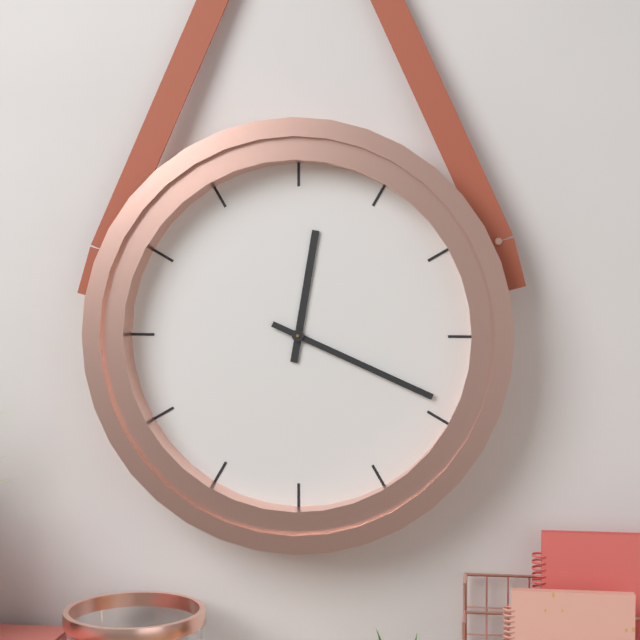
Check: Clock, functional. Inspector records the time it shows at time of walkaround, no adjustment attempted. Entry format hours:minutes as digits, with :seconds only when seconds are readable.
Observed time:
12:19
